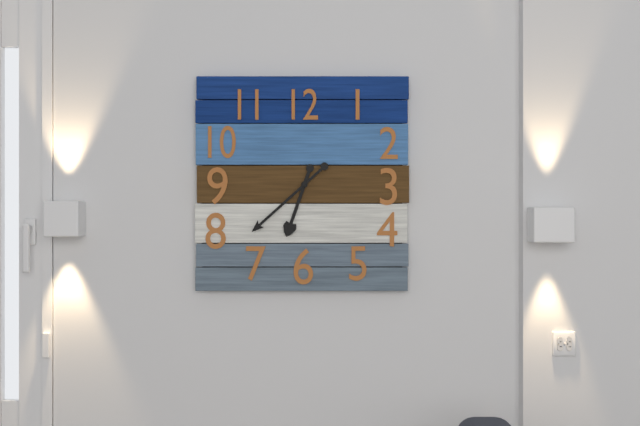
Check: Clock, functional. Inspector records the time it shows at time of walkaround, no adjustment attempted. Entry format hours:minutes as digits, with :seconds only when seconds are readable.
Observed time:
6:38
